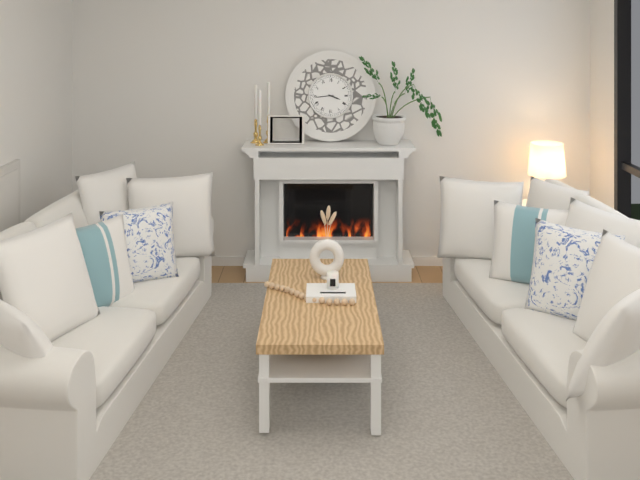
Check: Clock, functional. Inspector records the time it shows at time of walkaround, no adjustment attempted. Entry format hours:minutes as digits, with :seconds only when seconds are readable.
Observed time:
3:44
